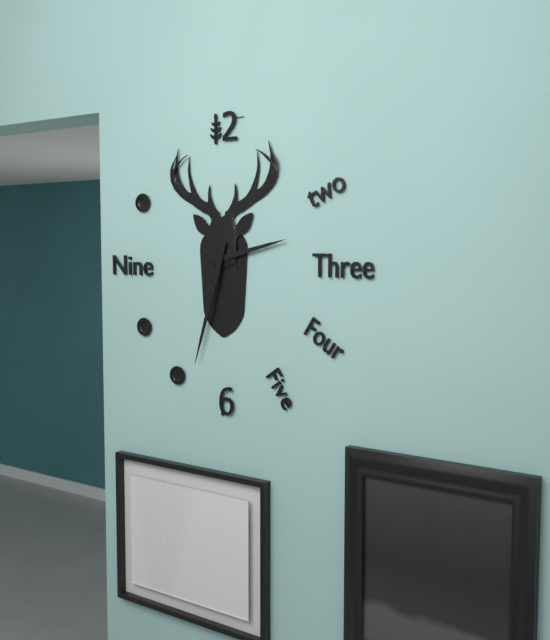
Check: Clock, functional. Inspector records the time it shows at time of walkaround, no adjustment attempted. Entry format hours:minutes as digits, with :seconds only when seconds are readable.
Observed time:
2:33
